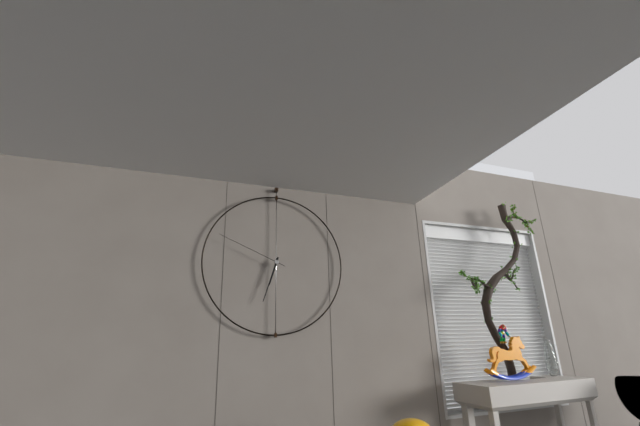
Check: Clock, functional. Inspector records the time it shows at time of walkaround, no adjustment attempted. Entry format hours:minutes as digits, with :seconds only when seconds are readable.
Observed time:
6:33:49
